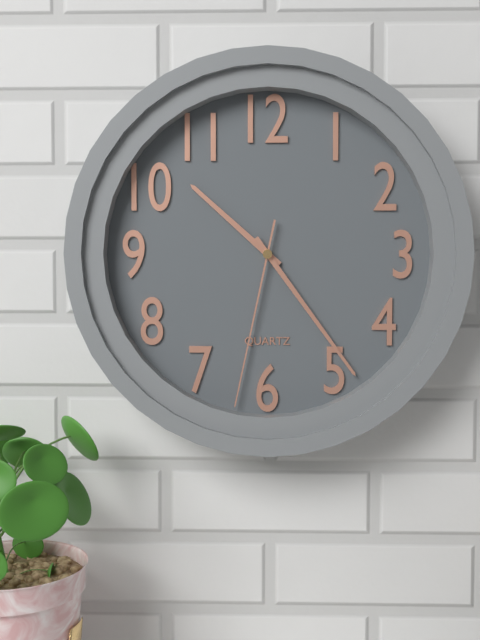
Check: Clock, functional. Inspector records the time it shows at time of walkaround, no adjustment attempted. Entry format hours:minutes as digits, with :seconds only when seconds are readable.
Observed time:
10:24:32
